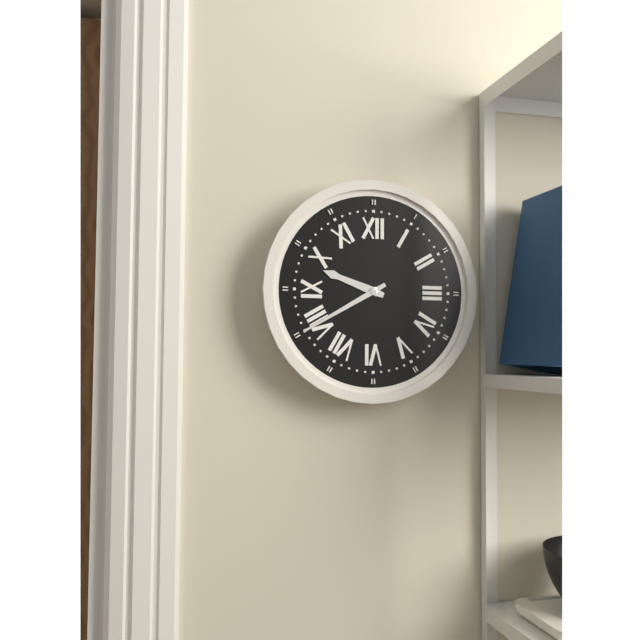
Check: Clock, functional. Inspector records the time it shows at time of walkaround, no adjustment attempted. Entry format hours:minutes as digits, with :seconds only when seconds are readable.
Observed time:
9:40
